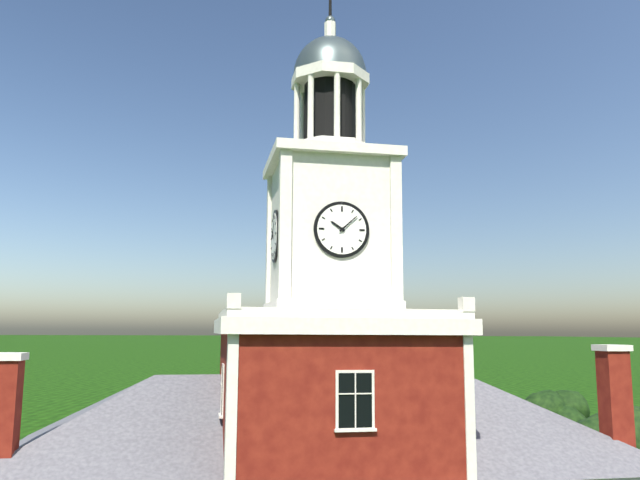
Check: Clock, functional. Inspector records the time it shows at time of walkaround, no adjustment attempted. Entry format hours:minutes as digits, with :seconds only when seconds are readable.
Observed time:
10:08
